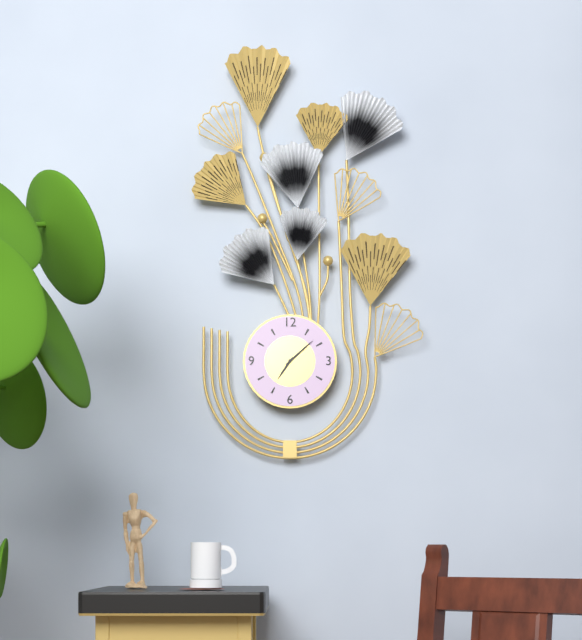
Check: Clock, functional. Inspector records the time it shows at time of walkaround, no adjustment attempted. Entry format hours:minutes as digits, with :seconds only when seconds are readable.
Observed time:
7:08
